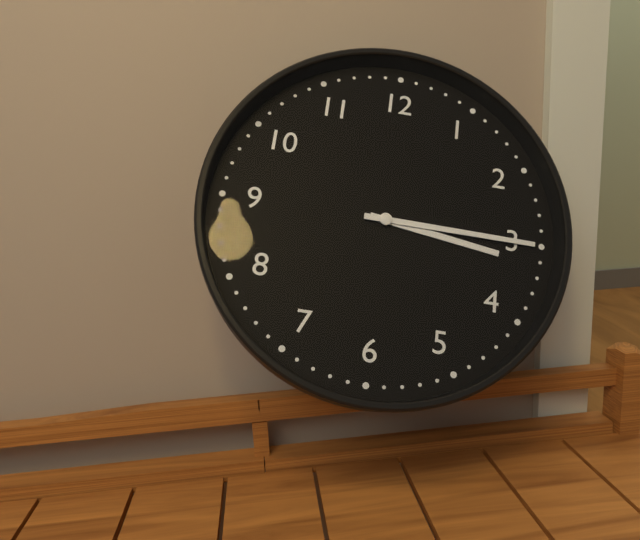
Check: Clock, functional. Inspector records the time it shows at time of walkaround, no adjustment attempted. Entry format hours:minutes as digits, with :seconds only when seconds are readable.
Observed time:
3:15
